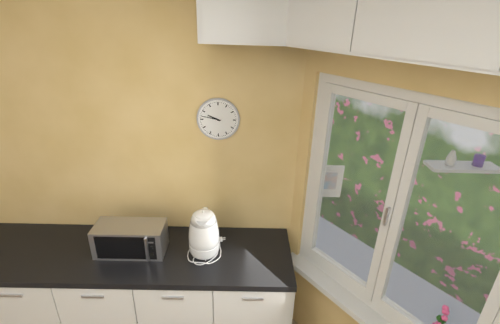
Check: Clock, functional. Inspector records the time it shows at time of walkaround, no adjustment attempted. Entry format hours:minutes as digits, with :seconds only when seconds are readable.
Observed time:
9:47
